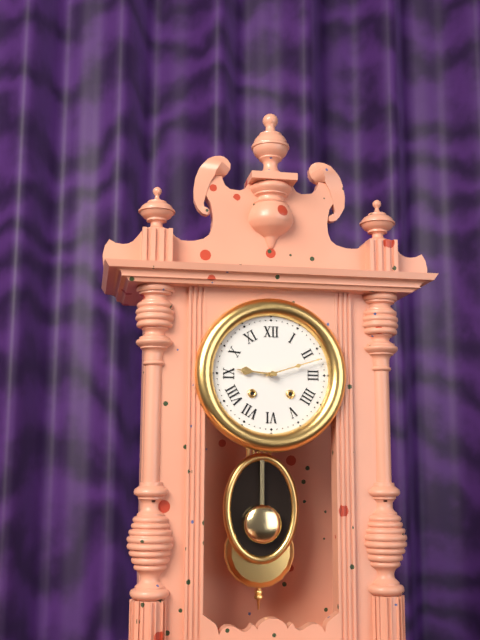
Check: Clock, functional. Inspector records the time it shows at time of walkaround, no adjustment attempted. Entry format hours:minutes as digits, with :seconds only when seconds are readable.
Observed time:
9:12
